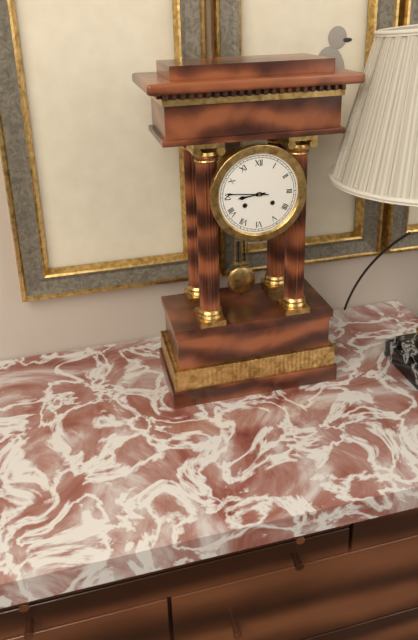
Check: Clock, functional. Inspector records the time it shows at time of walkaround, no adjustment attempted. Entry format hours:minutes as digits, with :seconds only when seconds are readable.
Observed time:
8:46
